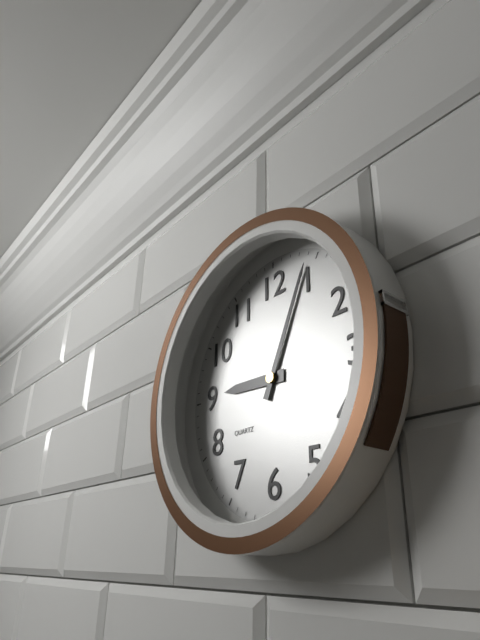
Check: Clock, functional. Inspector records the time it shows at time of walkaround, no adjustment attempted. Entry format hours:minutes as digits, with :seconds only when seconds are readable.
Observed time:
9:04
